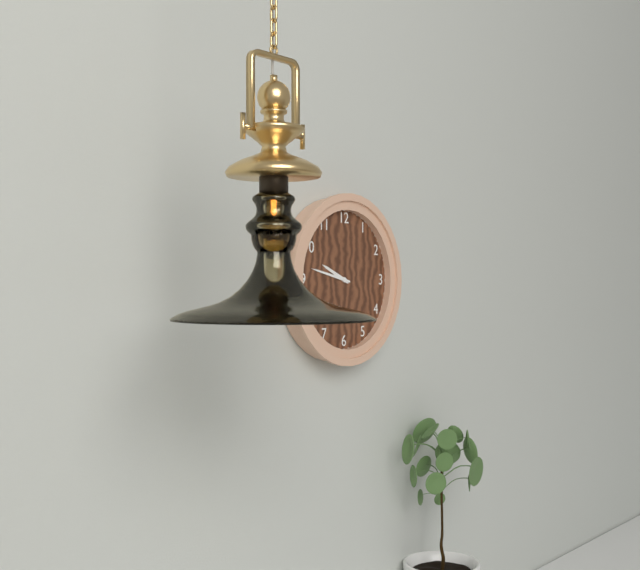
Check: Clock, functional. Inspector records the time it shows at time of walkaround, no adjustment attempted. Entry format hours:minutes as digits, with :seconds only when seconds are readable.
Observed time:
9:47
